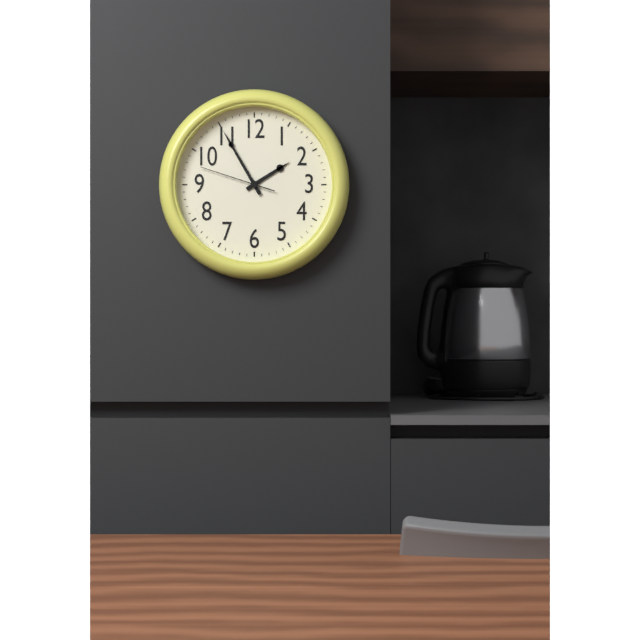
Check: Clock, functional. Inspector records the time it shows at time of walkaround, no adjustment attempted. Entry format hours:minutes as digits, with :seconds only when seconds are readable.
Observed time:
1:55:48
